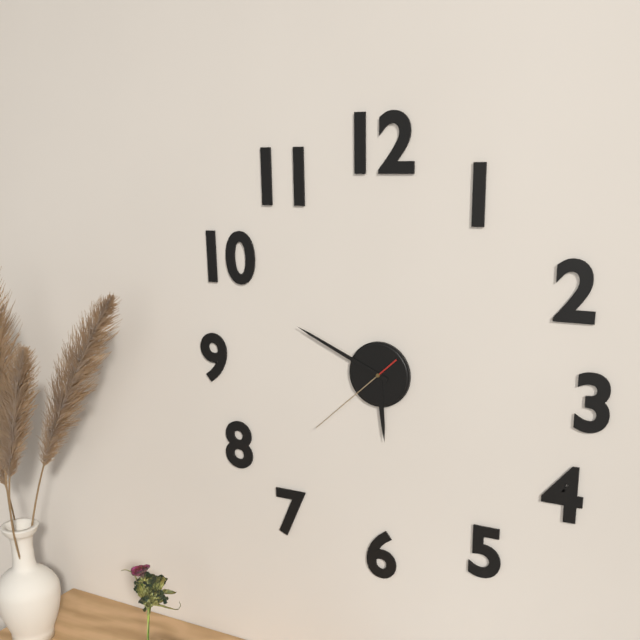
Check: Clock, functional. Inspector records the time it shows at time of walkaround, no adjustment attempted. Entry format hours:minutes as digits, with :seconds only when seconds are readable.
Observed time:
5:49:38
